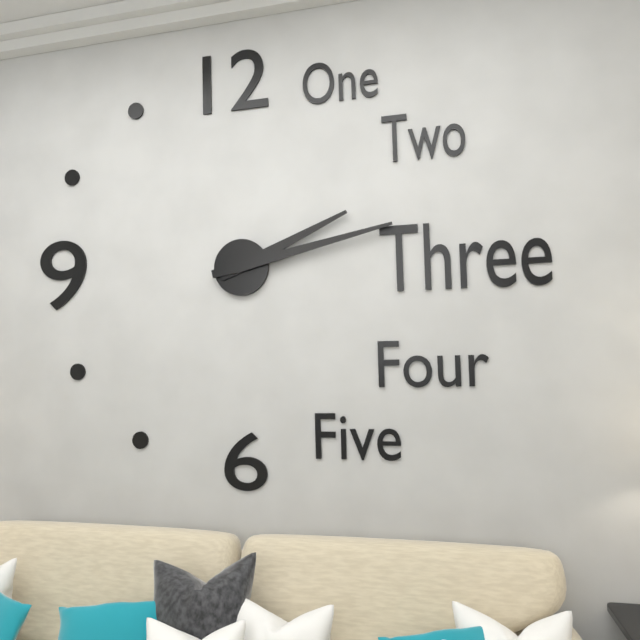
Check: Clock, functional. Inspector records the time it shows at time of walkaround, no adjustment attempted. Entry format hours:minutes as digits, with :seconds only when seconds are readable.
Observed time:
2:13
